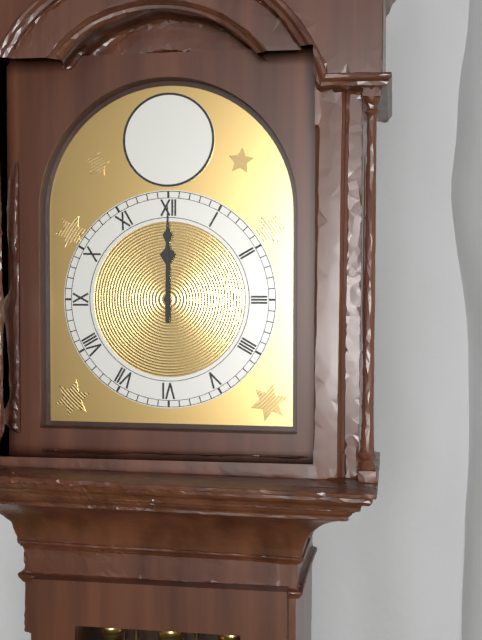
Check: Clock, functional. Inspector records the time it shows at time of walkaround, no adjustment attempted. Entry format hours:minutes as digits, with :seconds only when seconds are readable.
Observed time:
12:00
